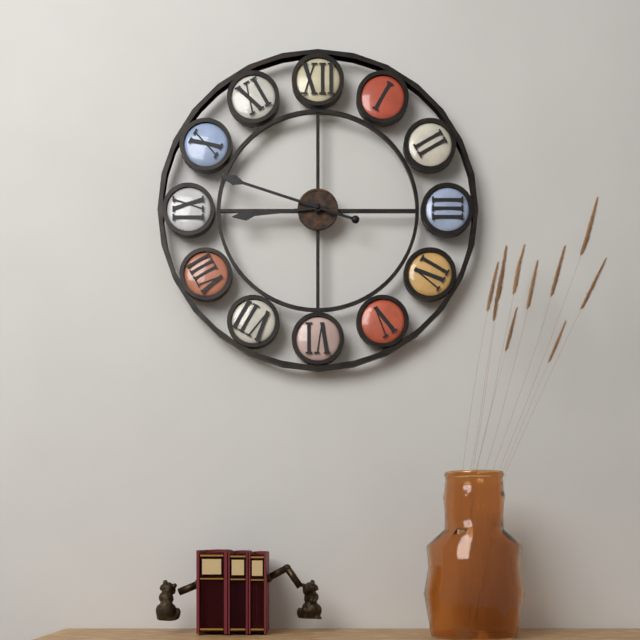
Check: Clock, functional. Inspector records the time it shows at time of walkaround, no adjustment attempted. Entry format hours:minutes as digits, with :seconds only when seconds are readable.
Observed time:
8:48
